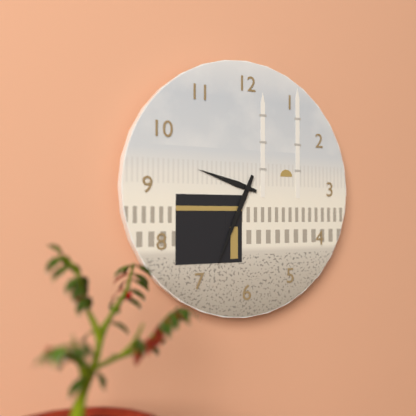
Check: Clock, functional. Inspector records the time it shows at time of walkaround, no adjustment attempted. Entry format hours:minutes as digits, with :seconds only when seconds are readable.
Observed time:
9:34
